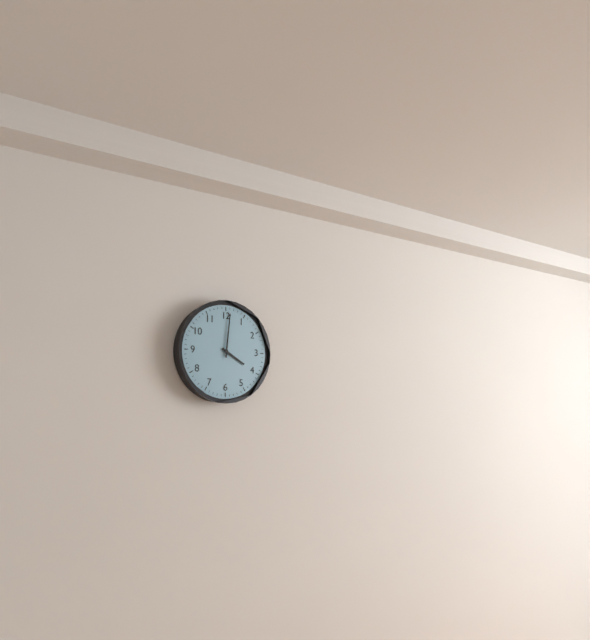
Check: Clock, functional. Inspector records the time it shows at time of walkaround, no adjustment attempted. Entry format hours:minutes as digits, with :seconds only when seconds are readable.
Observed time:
4:01
